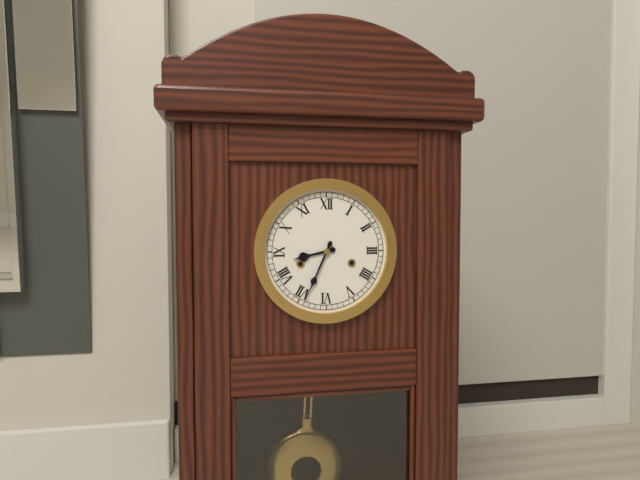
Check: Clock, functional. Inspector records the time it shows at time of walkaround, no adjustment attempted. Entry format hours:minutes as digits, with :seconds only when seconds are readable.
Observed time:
8:34
